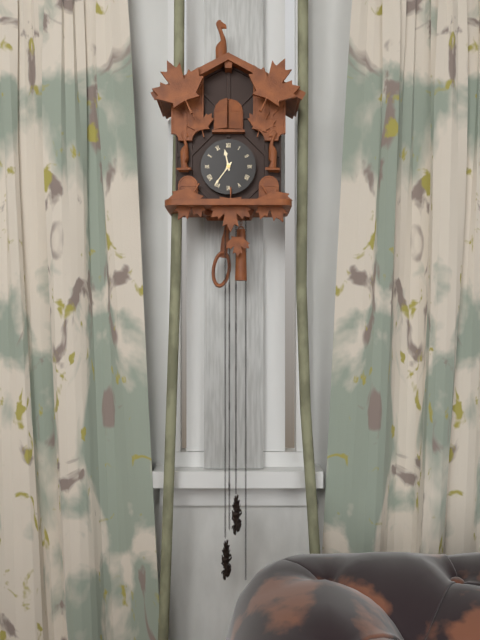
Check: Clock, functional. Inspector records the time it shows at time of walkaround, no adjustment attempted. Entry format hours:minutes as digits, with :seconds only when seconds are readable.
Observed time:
11:36
